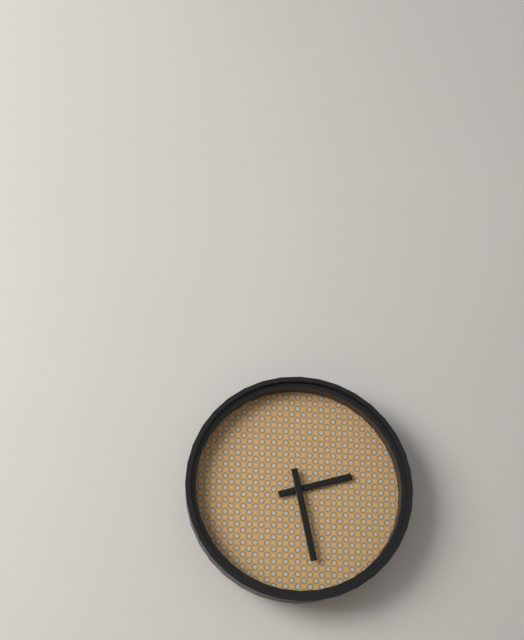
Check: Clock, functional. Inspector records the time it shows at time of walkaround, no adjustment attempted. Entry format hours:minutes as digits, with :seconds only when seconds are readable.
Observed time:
2:28
